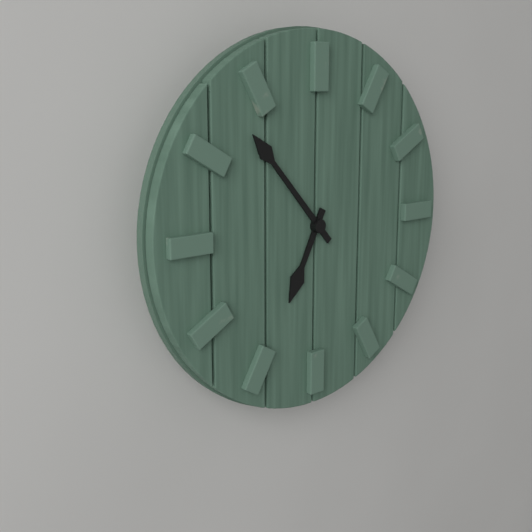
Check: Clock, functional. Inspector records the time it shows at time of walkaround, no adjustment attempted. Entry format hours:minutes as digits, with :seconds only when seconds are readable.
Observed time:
6:53
